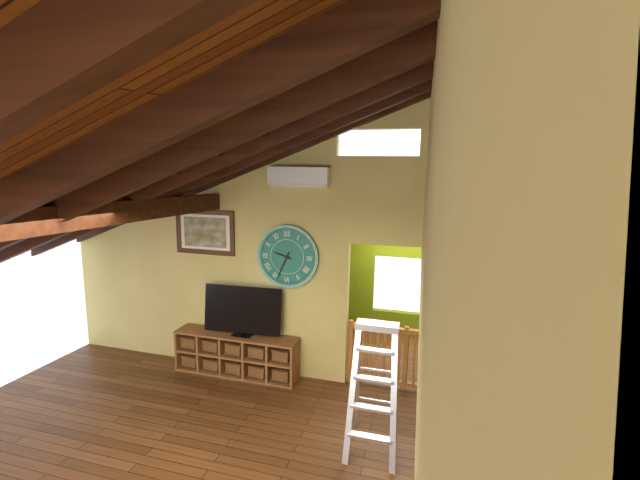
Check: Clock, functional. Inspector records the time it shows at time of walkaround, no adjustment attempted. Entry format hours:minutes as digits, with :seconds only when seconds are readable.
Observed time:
9:34
